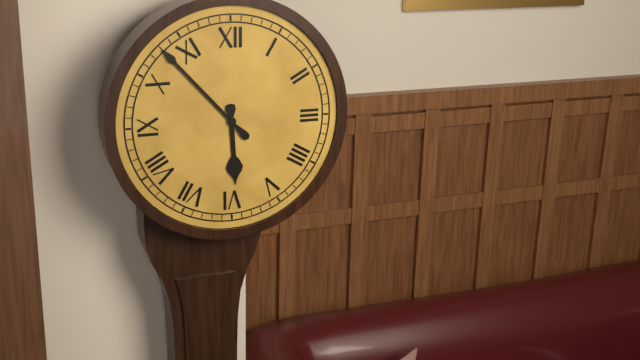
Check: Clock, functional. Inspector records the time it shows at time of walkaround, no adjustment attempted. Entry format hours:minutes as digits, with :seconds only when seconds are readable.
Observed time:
5:53
